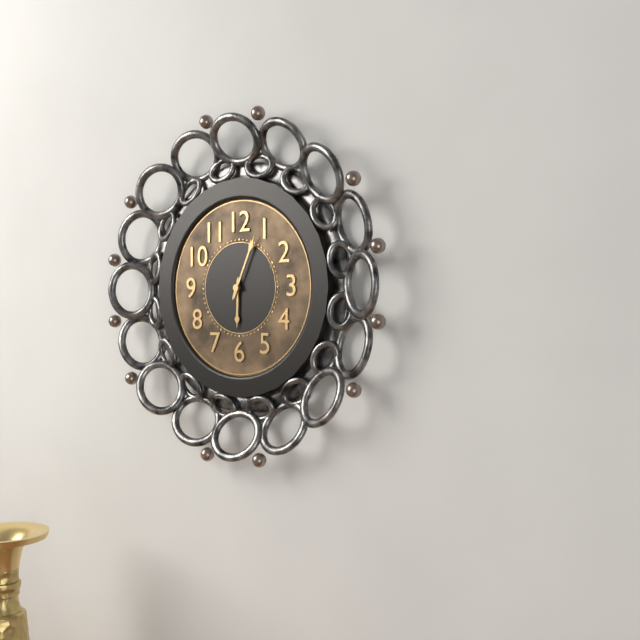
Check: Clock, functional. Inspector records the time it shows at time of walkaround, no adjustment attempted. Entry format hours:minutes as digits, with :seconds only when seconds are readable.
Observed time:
6:04
